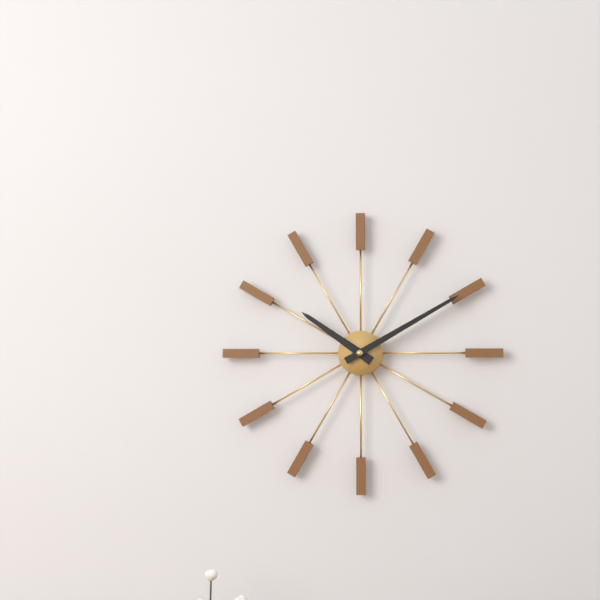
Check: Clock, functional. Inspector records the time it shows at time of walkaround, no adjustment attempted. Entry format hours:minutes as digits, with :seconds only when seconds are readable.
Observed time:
10:10
